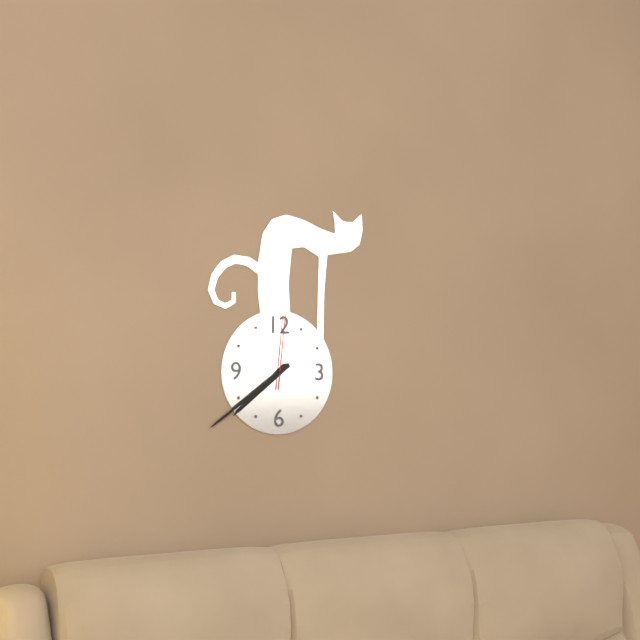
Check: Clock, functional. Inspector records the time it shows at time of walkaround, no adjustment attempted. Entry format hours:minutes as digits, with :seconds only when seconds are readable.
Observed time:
7:39:01
